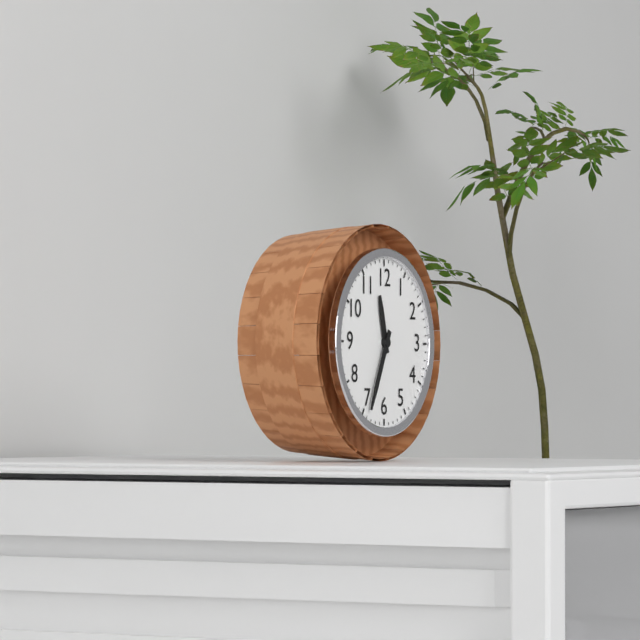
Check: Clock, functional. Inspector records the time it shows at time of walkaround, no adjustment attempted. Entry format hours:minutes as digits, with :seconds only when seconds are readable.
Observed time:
11:34
